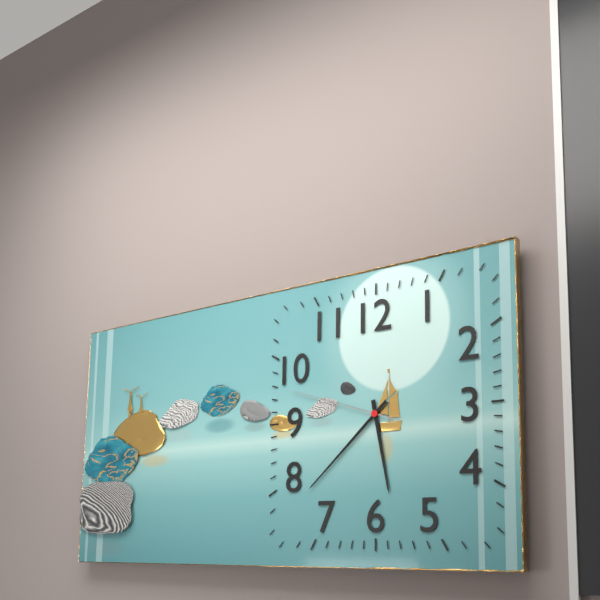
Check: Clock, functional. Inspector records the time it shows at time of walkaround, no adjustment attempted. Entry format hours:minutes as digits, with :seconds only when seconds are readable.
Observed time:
5:38:48
